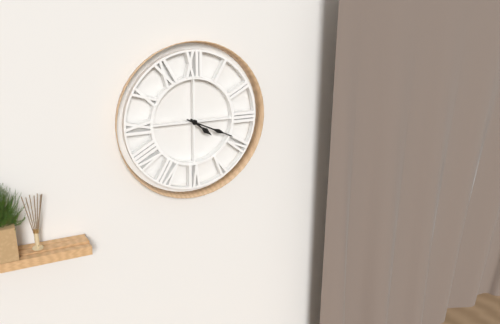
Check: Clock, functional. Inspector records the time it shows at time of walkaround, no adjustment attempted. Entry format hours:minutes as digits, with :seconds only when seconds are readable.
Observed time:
4:19
